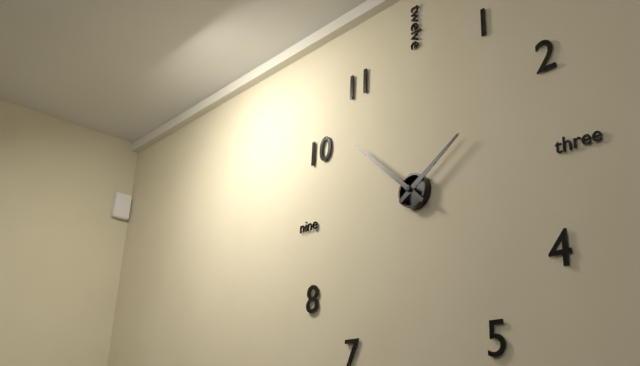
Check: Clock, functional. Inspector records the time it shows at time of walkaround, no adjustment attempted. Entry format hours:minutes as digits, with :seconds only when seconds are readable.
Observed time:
1:52
